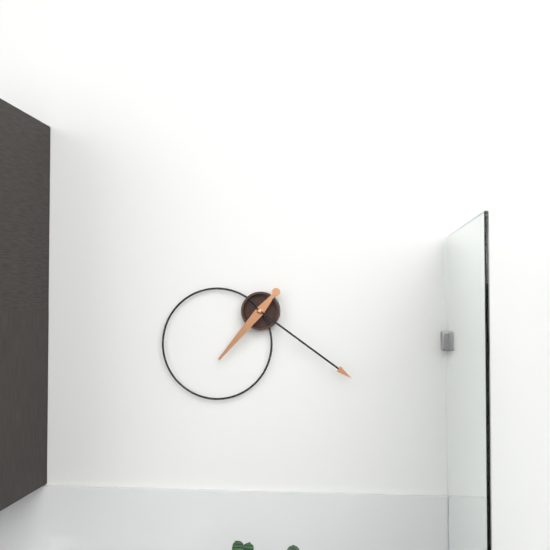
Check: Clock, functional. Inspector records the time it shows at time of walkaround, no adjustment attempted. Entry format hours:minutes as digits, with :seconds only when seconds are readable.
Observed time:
7:21
